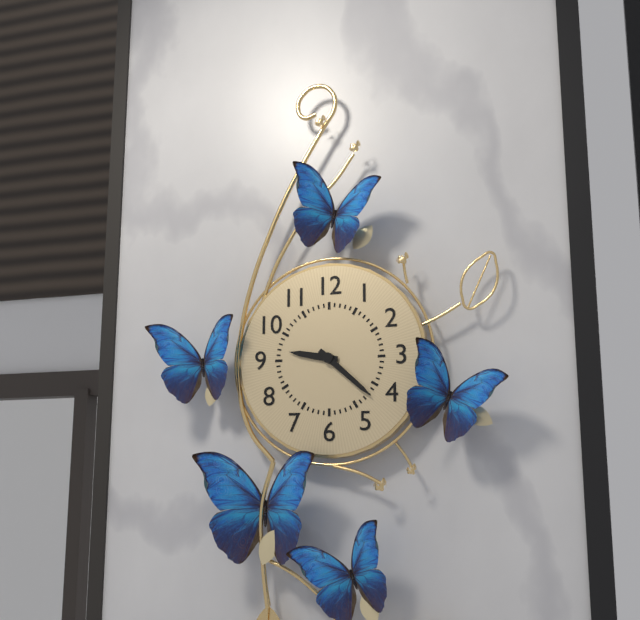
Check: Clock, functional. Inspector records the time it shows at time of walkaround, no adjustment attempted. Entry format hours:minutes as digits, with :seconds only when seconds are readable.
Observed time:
9:22
